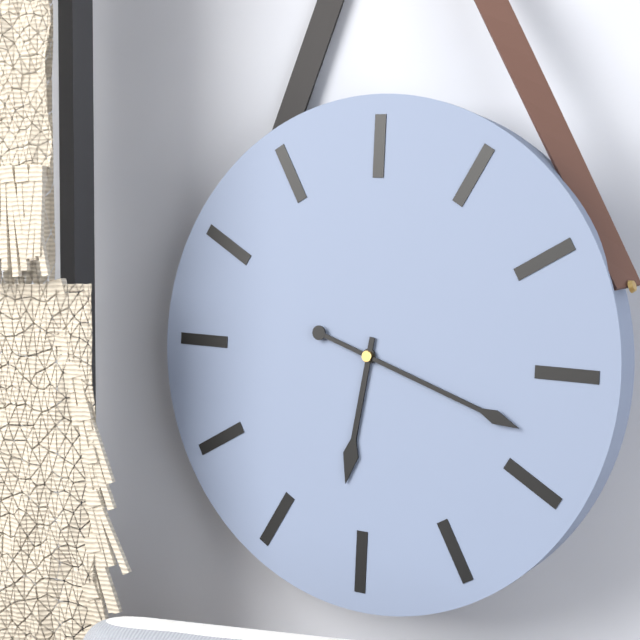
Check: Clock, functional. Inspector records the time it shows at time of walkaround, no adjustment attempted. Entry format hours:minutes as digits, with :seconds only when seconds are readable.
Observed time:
6:18
